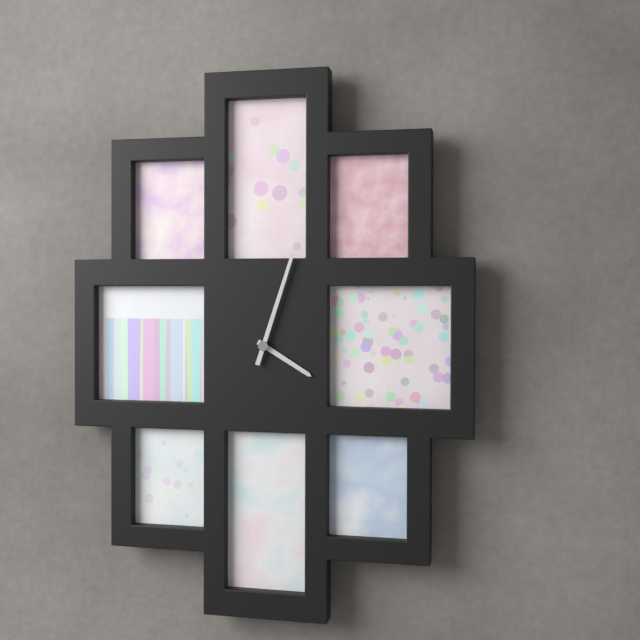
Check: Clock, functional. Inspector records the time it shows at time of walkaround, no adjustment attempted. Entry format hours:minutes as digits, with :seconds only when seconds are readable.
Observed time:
4:03
